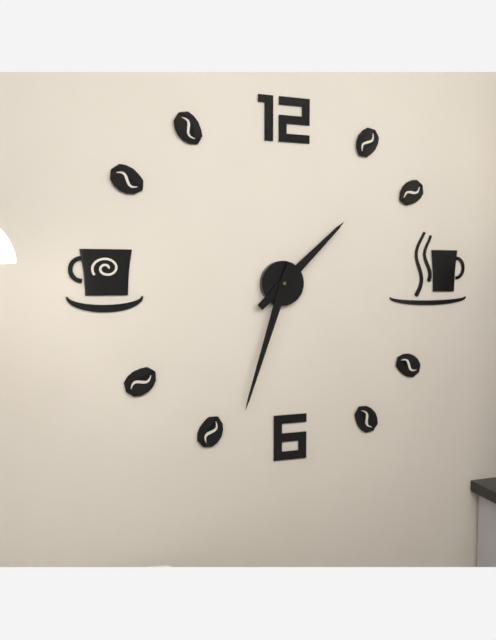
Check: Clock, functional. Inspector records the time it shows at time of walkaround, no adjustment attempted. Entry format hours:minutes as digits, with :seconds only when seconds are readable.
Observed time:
1:33
